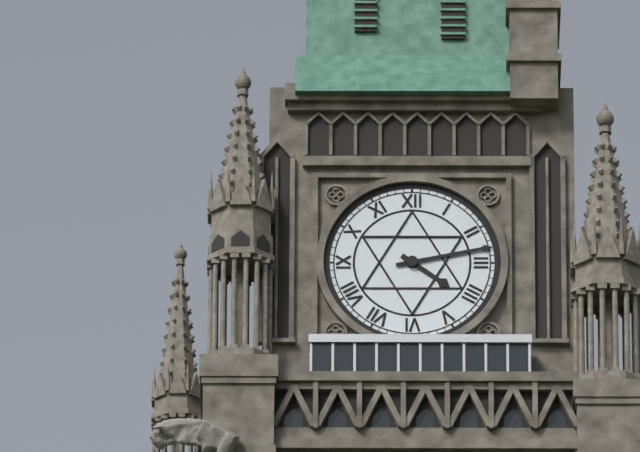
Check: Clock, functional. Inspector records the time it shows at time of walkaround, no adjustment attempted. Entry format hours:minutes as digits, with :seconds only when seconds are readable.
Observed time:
4:13
